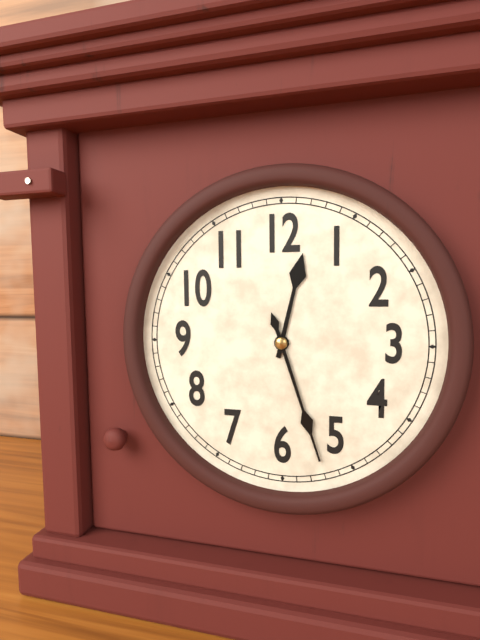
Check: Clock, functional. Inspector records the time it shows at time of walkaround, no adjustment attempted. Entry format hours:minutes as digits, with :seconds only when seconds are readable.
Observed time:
12:27
